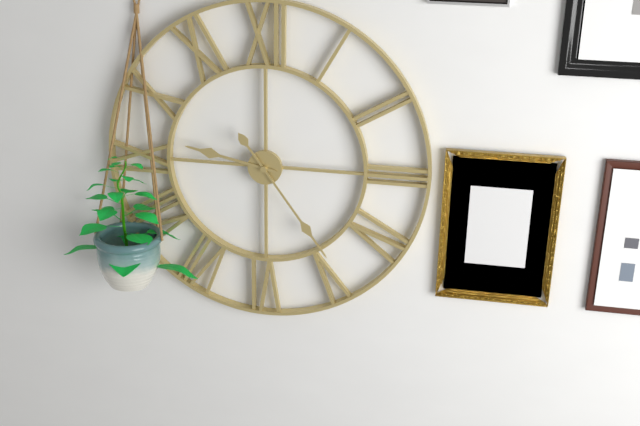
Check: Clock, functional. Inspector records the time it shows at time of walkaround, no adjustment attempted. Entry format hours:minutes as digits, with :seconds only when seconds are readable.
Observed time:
9:24
